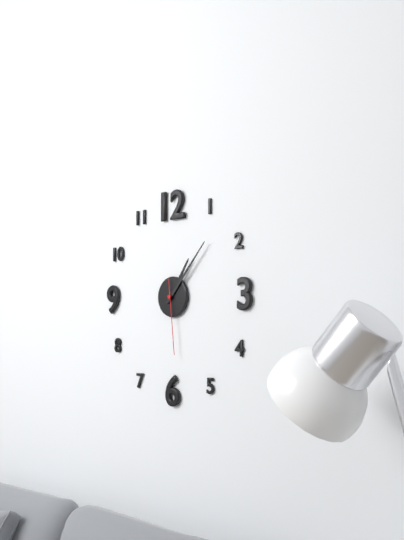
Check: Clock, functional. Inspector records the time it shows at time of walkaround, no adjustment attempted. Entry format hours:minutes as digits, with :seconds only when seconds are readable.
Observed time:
1:07:29
